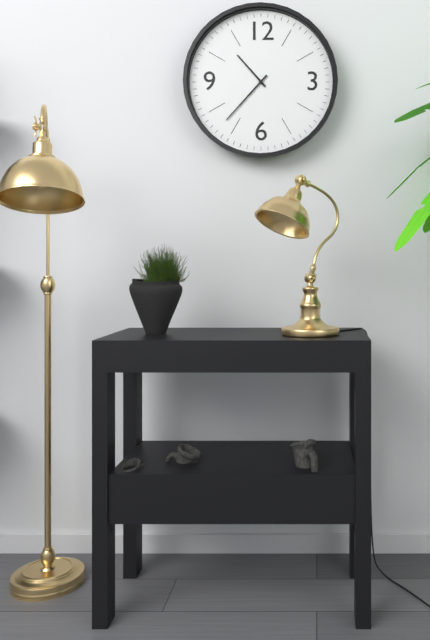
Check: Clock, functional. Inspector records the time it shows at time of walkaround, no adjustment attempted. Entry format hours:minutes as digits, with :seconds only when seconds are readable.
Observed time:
10:37
